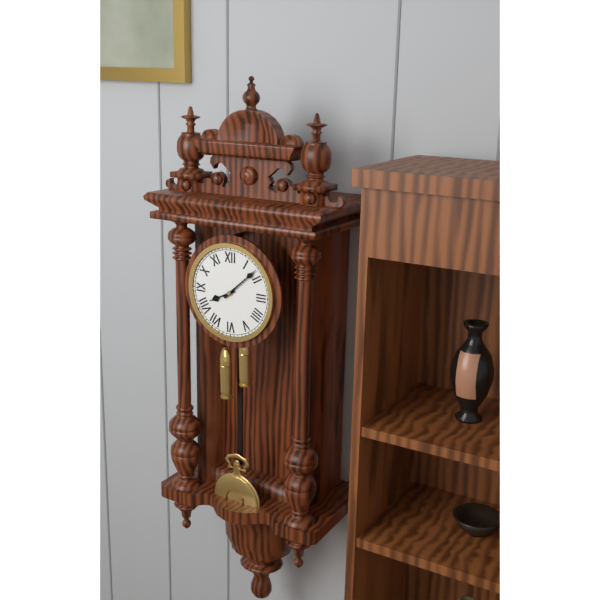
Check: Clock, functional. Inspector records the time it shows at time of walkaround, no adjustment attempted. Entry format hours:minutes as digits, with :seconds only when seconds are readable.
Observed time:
8:08
